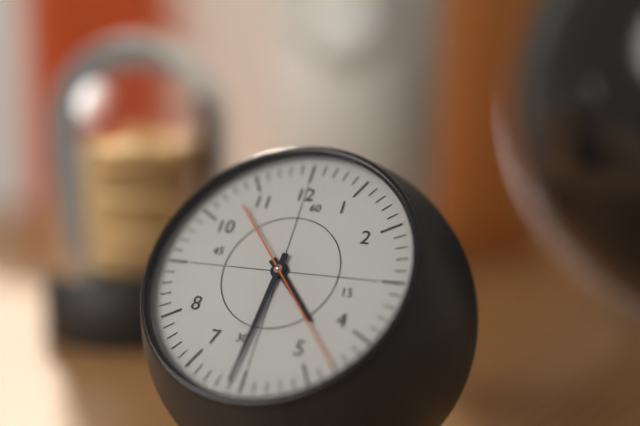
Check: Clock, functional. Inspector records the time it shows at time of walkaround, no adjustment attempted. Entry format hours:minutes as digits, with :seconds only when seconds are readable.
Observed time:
4:31:23
